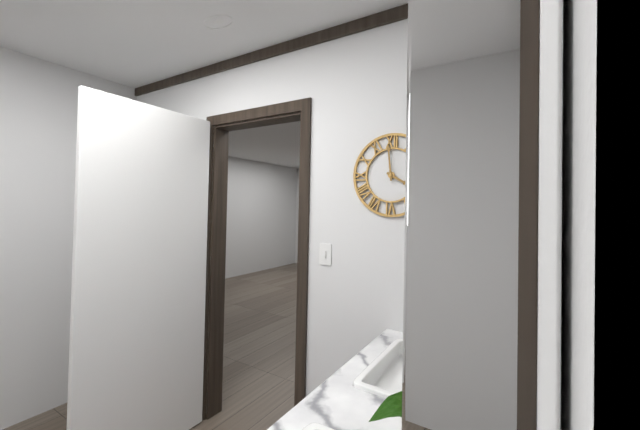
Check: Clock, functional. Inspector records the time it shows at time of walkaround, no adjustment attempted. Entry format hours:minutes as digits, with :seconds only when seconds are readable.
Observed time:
3:59
